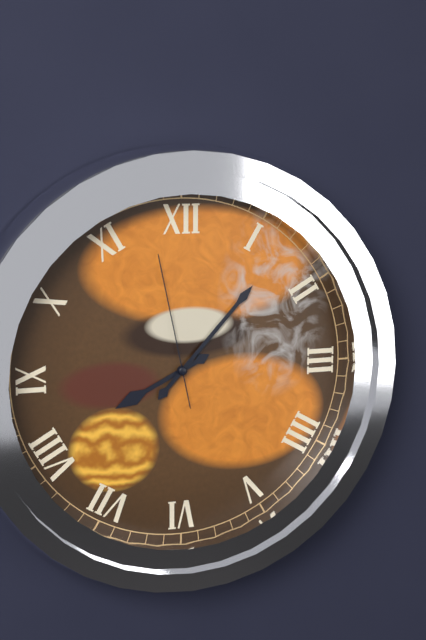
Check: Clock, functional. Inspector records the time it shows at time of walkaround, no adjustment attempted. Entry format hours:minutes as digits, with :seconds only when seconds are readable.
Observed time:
8:07:58
